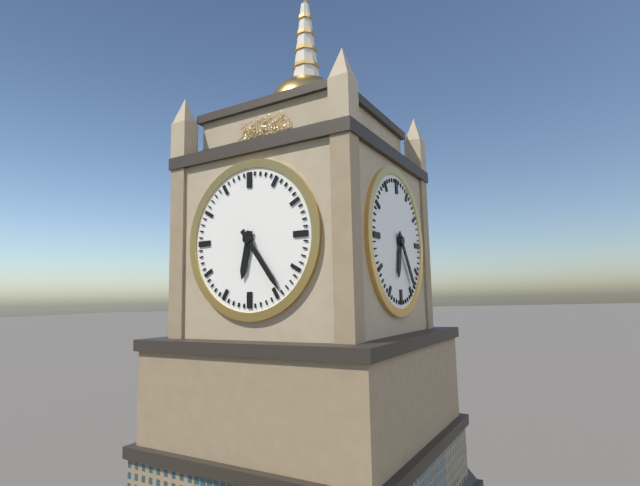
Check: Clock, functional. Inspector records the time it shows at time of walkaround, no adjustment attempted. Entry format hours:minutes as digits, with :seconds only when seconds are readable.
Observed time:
6:24
